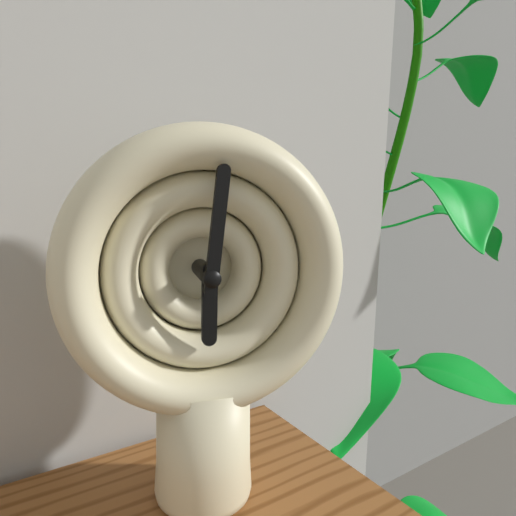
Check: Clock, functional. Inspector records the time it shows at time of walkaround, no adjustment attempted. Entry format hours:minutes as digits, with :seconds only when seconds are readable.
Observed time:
6:01
